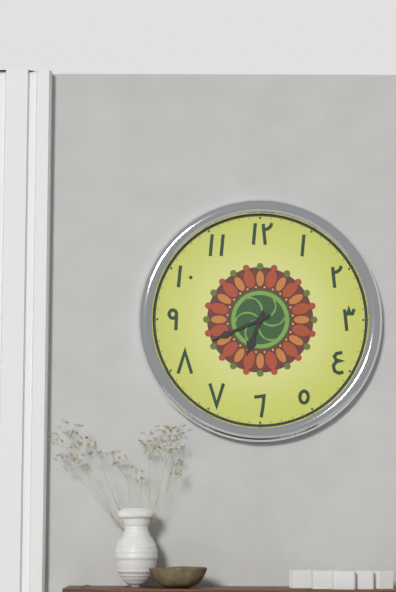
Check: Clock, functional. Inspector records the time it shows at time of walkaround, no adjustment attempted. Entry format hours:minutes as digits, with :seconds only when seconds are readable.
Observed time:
6:41
